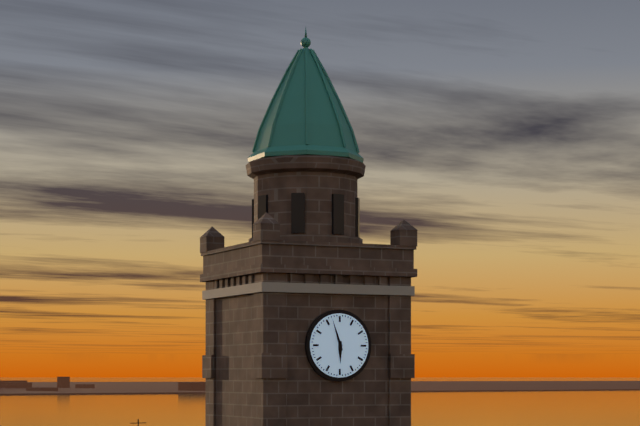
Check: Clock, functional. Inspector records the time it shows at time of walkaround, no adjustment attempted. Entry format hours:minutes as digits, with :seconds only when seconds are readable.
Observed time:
5:57
